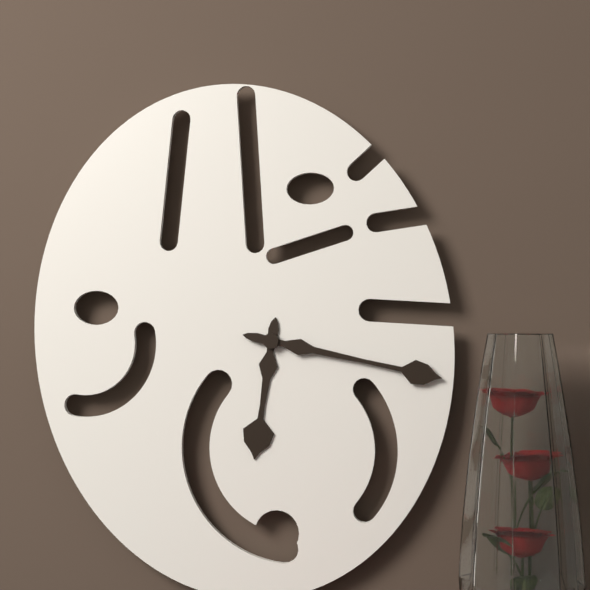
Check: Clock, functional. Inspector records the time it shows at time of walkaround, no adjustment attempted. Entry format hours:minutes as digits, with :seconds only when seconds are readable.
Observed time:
6:17
